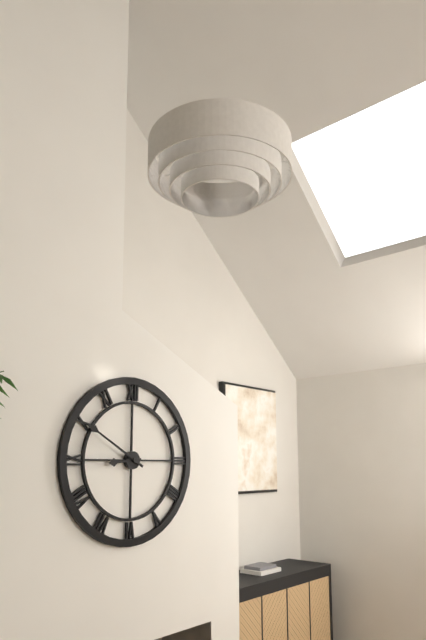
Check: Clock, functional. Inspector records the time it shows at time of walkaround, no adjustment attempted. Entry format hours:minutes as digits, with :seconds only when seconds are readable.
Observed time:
8:50
